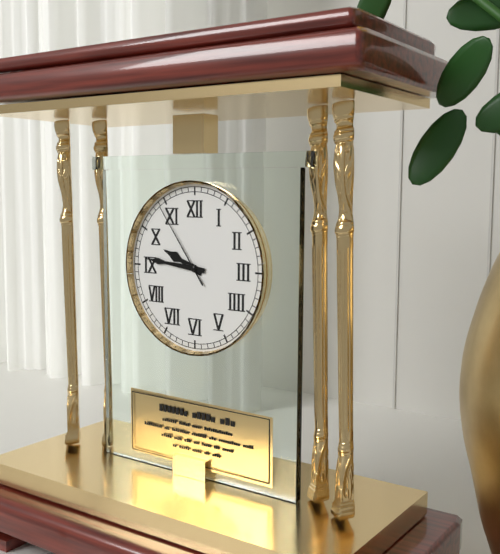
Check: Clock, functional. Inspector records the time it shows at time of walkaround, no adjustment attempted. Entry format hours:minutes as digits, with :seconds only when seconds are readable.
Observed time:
9:46:54
